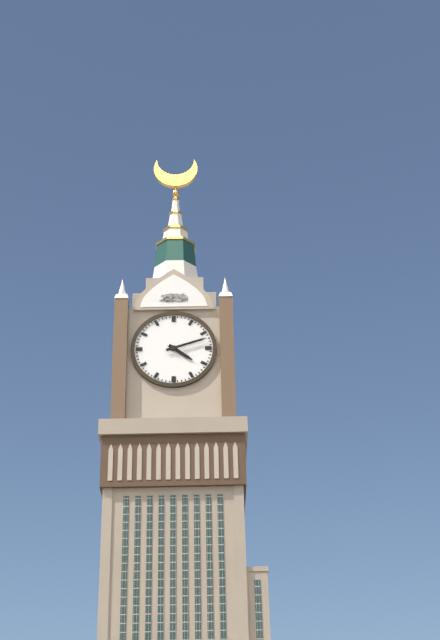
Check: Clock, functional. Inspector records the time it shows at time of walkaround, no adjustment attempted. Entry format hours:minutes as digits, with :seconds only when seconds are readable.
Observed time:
4:12
